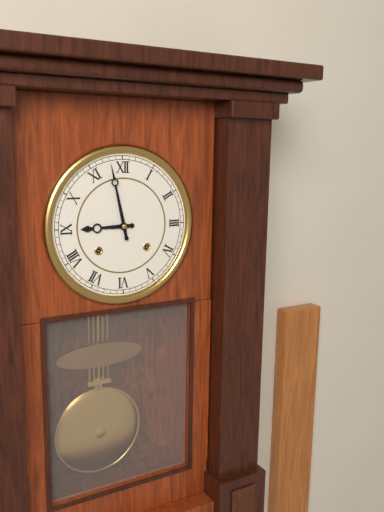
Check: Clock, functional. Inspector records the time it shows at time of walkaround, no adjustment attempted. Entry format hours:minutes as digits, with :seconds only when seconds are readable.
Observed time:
8:58
